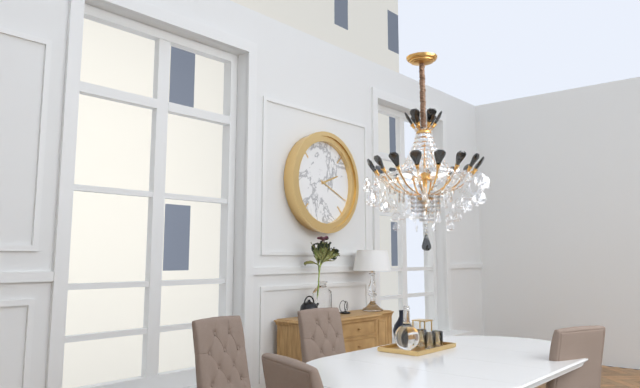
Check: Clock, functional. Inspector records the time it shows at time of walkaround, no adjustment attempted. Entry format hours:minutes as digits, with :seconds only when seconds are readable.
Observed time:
2:19
